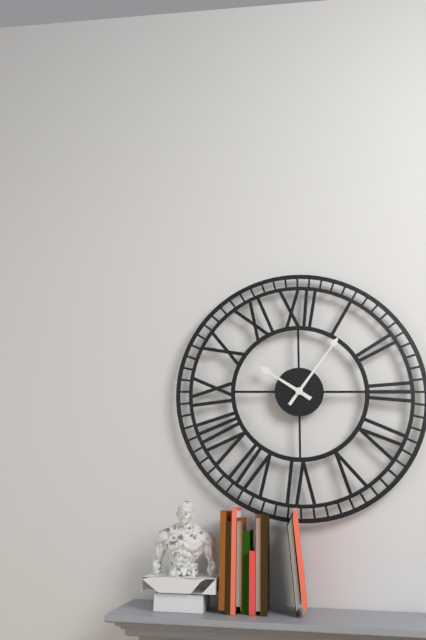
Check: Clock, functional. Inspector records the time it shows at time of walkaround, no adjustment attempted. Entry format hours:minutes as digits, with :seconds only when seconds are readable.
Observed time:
10:06
